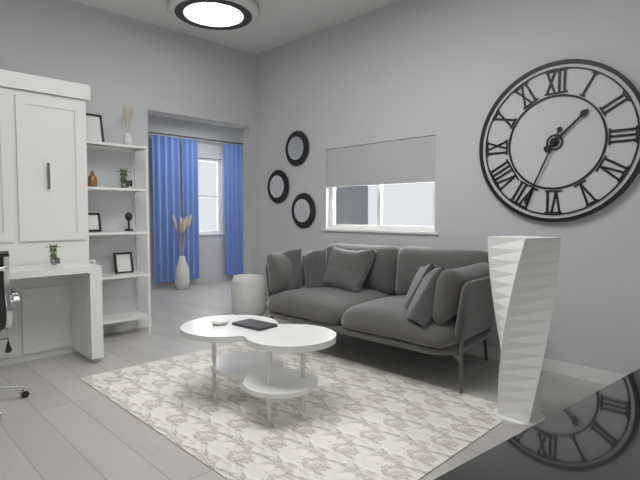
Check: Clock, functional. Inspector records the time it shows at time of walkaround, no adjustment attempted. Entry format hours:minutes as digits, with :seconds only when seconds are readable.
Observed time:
1:34
